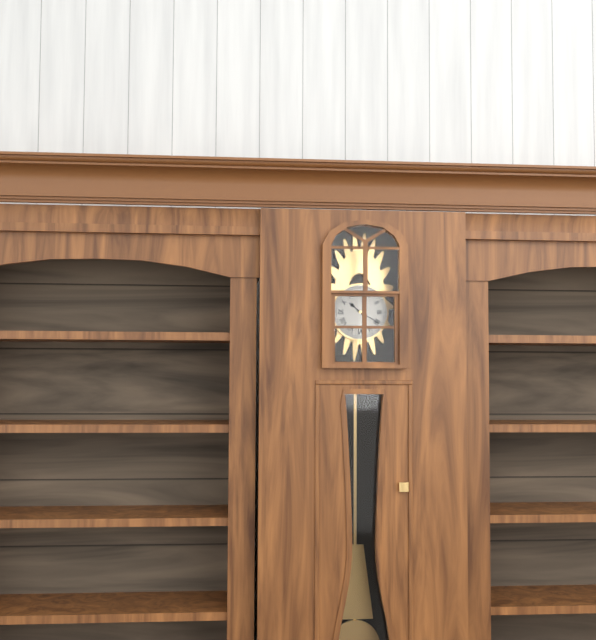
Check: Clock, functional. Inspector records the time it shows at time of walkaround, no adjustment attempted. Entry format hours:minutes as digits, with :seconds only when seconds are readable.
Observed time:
10:20
